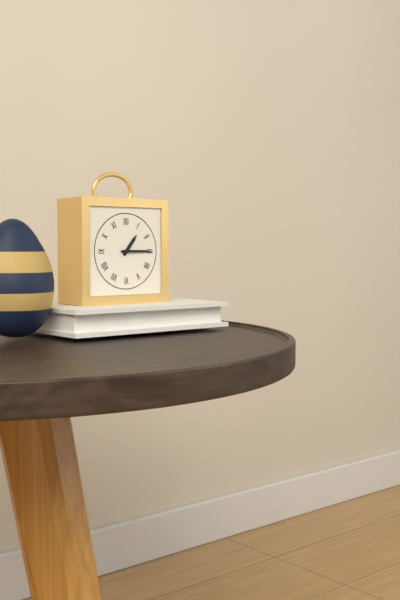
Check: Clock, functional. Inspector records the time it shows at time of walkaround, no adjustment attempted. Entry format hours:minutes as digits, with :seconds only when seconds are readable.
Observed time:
1:15
